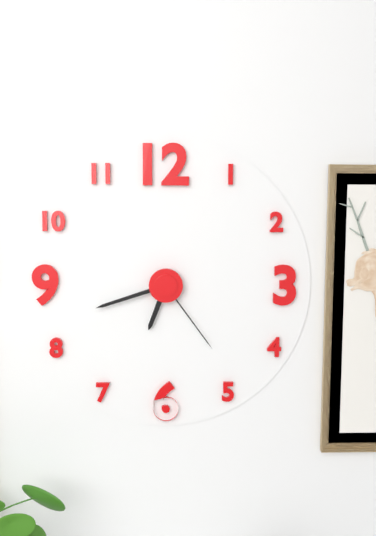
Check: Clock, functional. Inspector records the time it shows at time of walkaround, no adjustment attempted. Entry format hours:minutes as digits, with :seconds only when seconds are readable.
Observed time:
6:42:24
